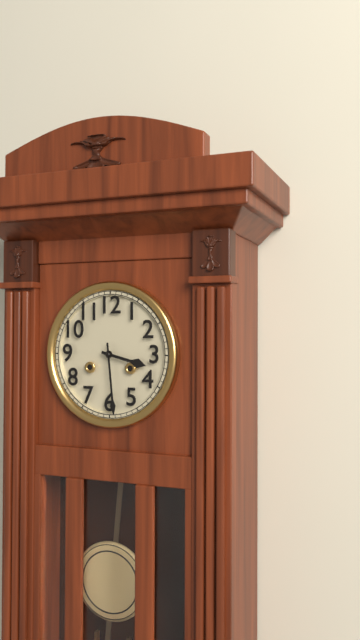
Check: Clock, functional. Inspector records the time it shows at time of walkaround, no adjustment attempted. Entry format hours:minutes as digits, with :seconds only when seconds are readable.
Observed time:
3:29
